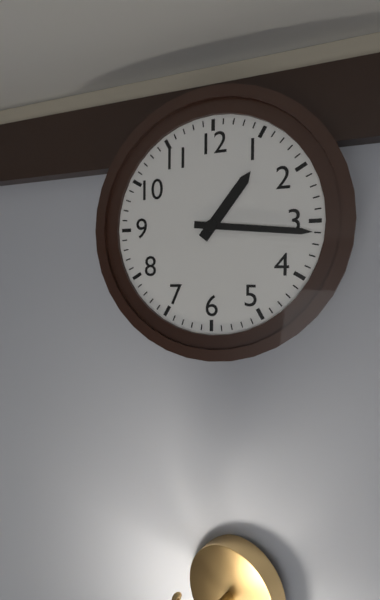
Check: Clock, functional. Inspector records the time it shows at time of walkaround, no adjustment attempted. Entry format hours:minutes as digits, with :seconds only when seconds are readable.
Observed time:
1:16
